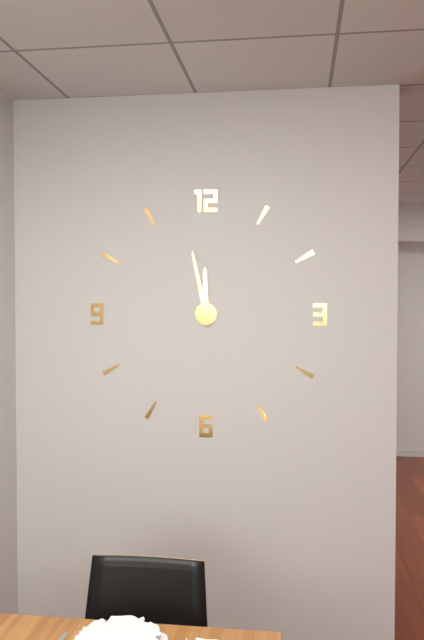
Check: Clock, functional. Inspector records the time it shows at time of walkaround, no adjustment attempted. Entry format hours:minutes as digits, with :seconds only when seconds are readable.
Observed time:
11:58
